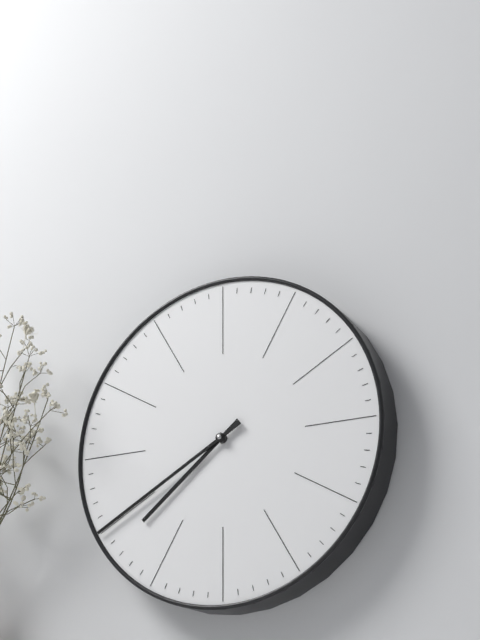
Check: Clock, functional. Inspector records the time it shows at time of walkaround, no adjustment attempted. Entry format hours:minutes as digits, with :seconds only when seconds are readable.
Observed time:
7:40
